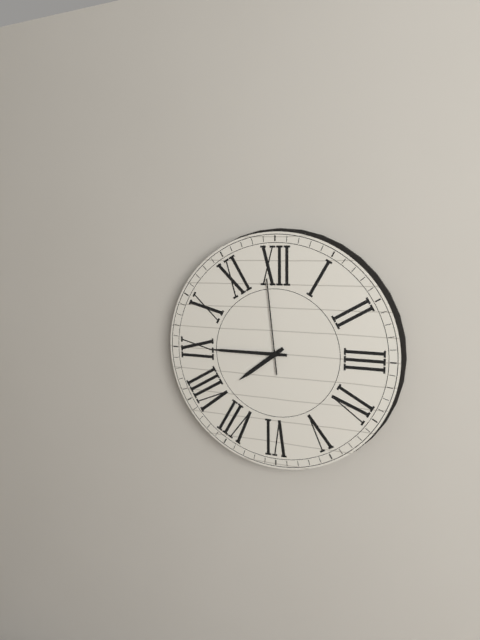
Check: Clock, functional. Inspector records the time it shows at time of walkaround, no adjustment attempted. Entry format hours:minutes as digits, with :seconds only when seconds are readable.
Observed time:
7:45:59
